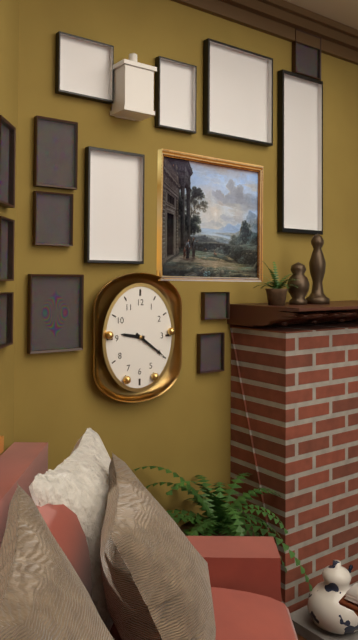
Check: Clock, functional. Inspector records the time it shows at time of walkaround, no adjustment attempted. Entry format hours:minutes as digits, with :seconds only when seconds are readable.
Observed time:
9:21
